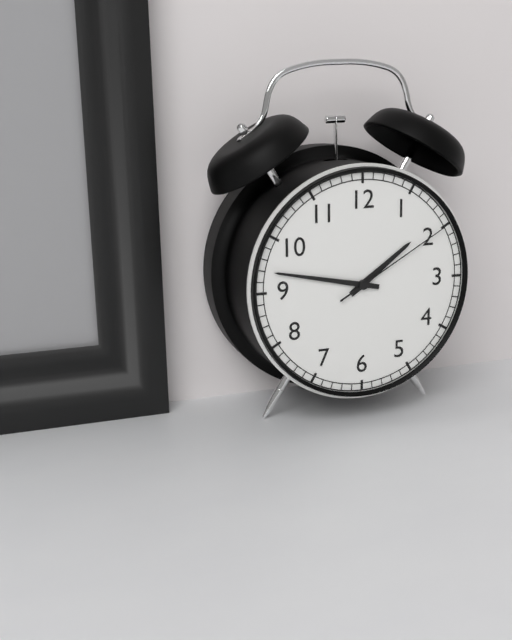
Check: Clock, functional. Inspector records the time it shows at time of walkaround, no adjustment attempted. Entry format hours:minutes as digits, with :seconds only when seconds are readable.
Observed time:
1:47:10
